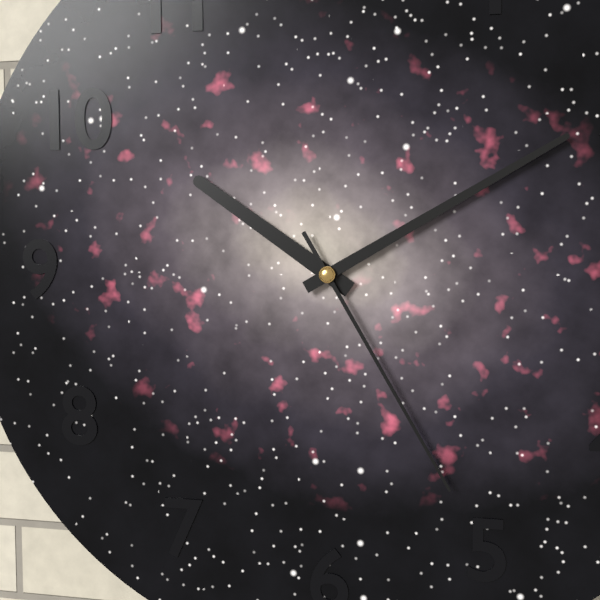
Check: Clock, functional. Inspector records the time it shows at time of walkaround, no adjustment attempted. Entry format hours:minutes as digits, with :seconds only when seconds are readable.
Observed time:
10:10:25
